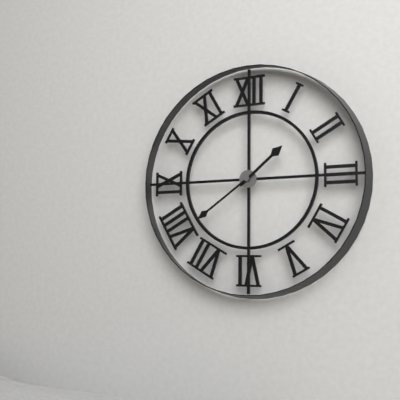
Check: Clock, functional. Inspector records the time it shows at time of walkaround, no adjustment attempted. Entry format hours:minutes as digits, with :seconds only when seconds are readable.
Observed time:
1:39
